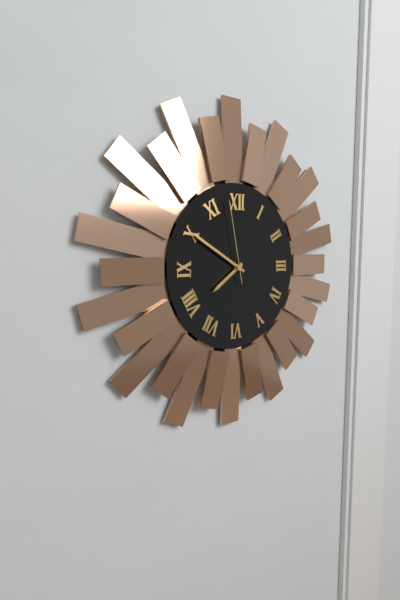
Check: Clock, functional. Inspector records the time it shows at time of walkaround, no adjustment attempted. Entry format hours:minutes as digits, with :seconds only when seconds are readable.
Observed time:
7:50:58
